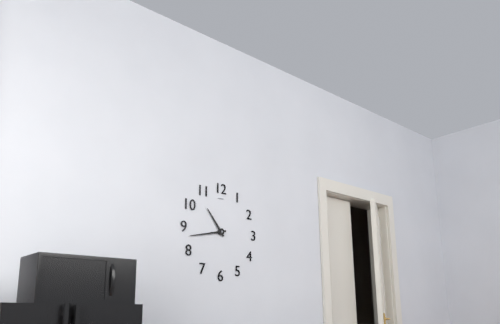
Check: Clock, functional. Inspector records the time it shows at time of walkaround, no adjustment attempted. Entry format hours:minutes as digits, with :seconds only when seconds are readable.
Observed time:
10:43
